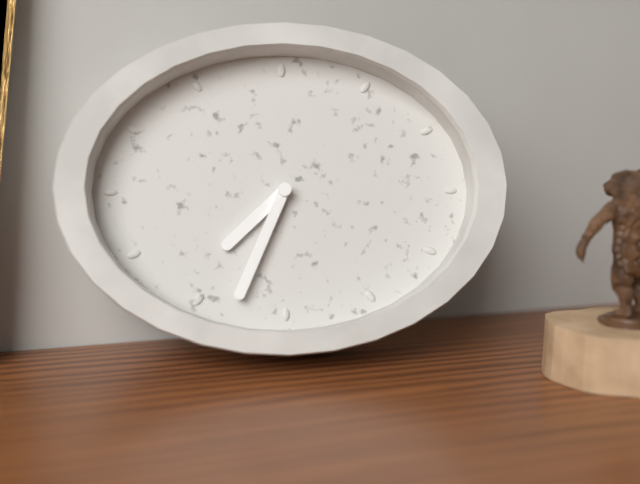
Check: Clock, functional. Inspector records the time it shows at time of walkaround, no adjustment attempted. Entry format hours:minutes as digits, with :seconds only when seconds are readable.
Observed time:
7:34
